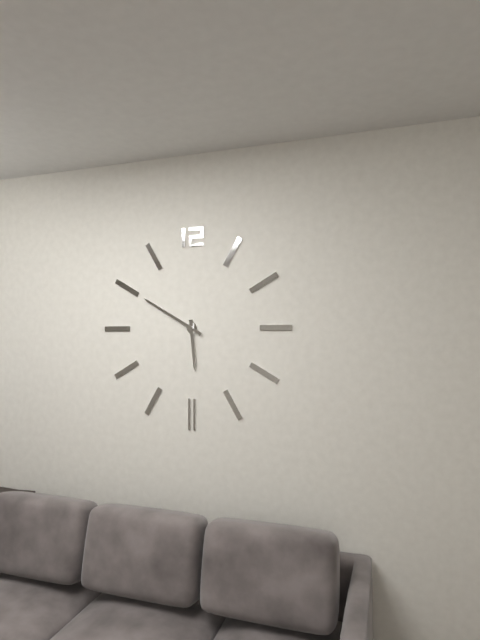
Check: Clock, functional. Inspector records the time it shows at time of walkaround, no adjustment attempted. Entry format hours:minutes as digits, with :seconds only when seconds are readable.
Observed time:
5:50
